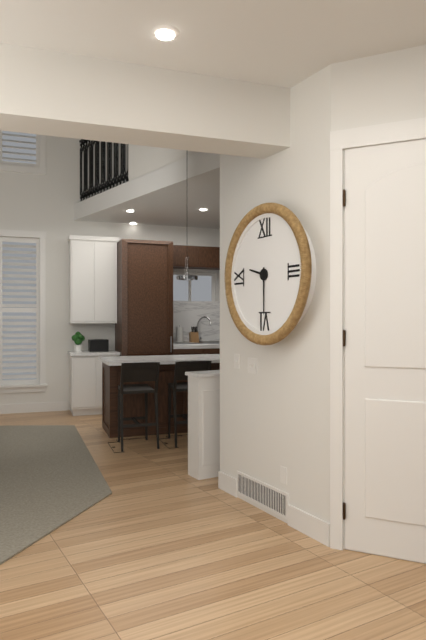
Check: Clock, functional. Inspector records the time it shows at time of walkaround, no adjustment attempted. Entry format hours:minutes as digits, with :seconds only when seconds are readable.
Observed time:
9:30
